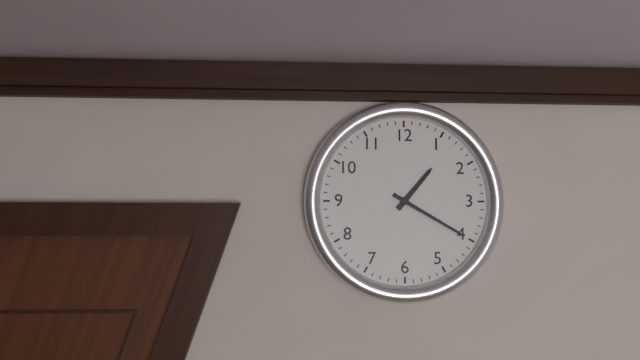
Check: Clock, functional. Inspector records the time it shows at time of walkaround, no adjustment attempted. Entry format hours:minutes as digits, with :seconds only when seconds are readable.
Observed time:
1:20
